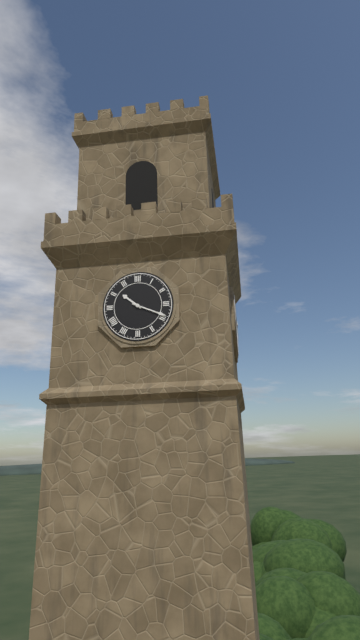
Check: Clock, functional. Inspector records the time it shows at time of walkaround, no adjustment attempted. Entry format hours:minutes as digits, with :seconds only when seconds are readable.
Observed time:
10:19
